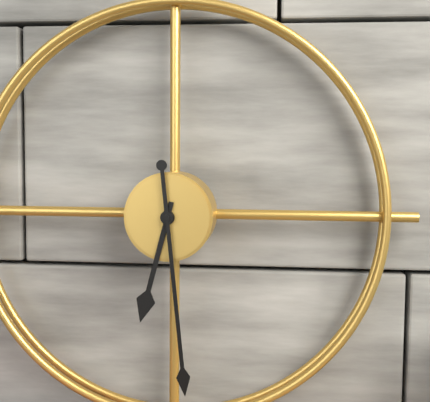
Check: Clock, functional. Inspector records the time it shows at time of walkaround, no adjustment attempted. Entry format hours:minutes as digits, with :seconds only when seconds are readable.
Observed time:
6:29
